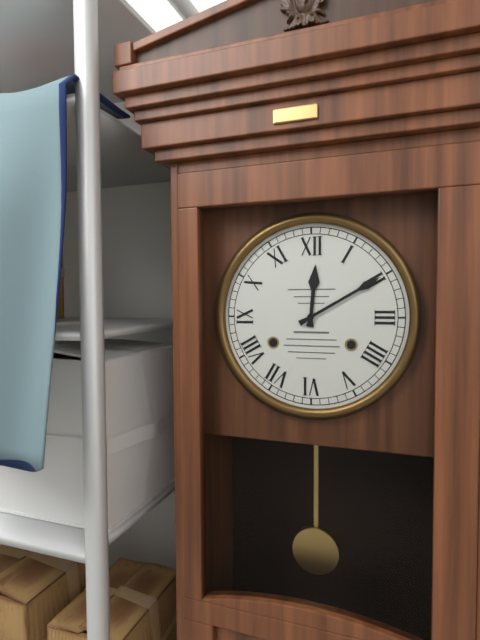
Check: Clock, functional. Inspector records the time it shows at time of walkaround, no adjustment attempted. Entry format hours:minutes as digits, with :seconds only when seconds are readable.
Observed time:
12:10
